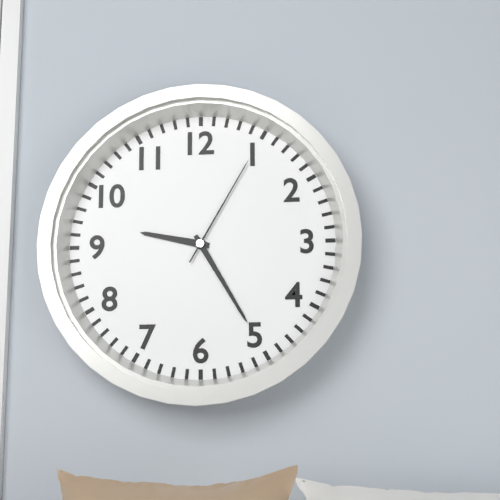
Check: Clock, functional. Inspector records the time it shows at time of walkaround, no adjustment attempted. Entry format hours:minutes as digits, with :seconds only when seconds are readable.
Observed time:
9:25:05
